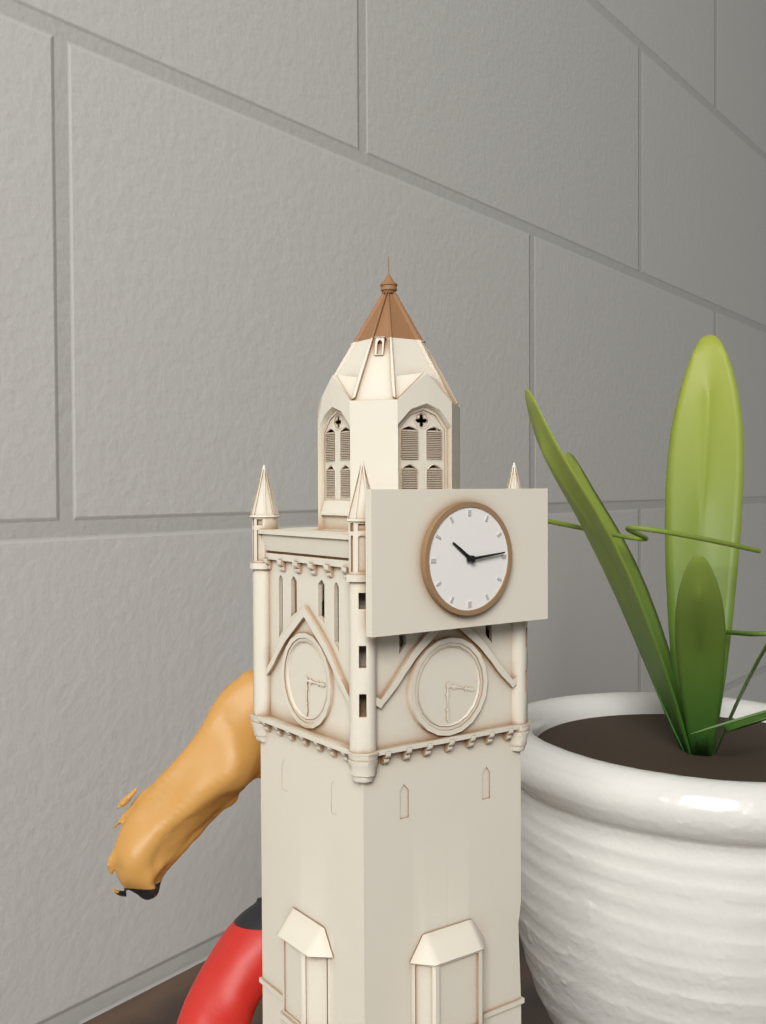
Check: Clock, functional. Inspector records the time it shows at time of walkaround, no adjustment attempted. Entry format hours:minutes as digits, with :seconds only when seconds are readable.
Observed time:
10:14
